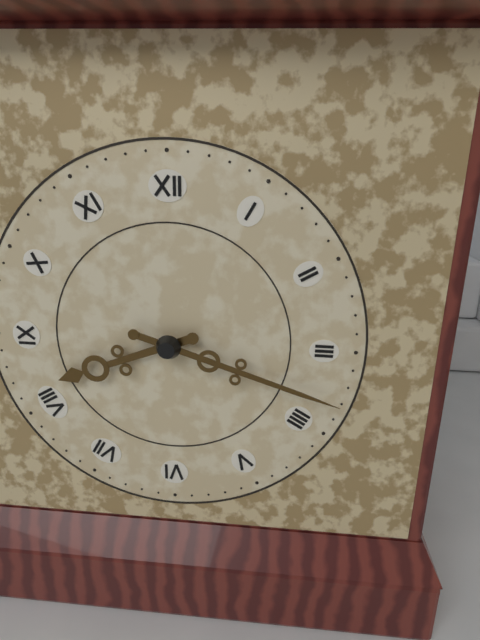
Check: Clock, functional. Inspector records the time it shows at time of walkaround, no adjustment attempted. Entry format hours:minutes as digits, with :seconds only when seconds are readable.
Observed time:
8:18
